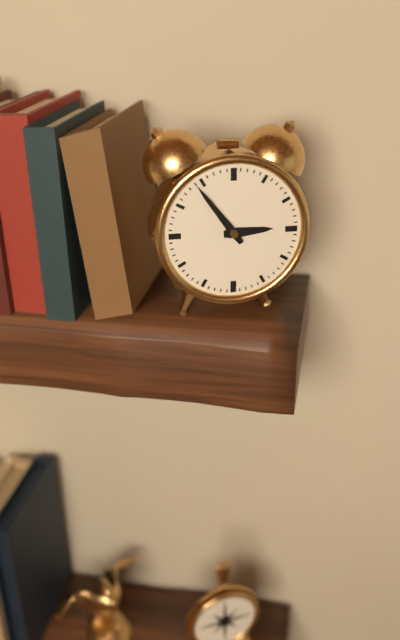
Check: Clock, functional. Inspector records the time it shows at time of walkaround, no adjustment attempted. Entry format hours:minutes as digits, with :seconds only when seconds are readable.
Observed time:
2:54
